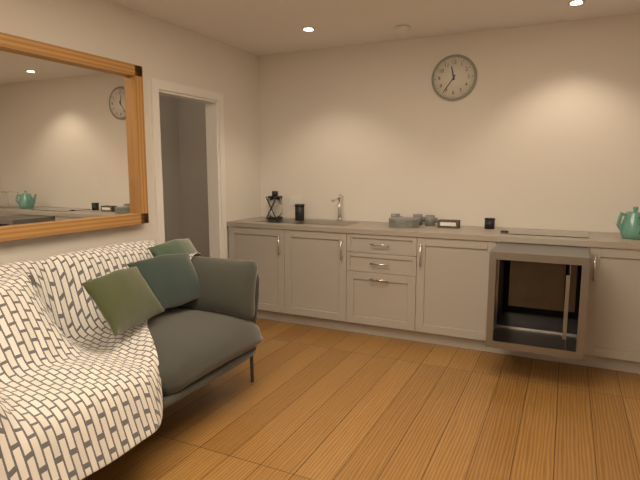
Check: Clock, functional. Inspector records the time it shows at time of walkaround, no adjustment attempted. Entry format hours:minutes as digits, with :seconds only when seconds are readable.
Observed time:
11:36
